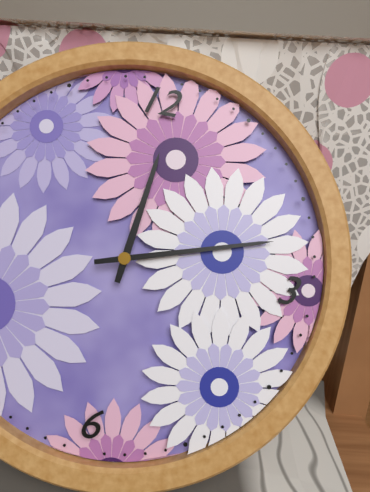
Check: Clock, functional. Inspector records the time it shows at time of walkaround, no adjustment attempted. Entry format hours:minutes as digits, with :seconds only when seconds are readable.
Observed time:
12:12
